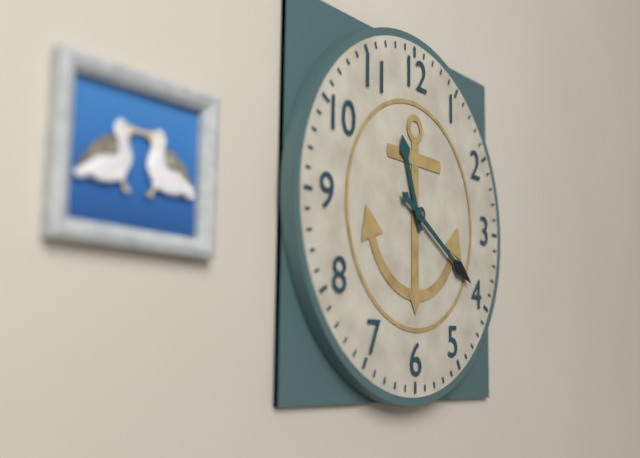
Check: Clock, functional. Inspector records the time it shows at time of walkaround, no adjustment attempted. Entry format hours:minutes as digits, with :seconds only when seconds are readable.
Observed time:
11:20
